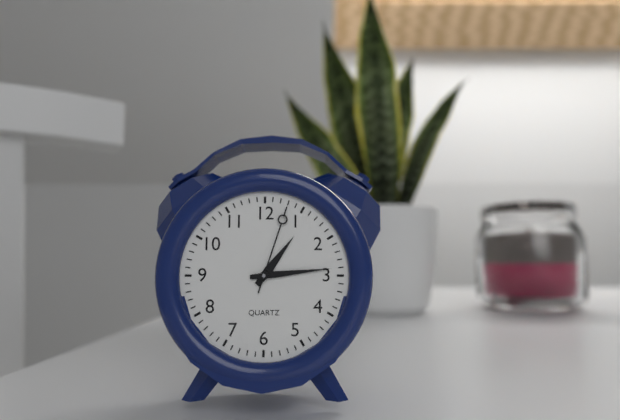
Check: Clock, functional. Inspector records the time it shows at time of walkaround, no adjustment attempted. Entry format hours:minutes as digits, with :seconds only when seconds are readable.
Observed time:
1:14:03
